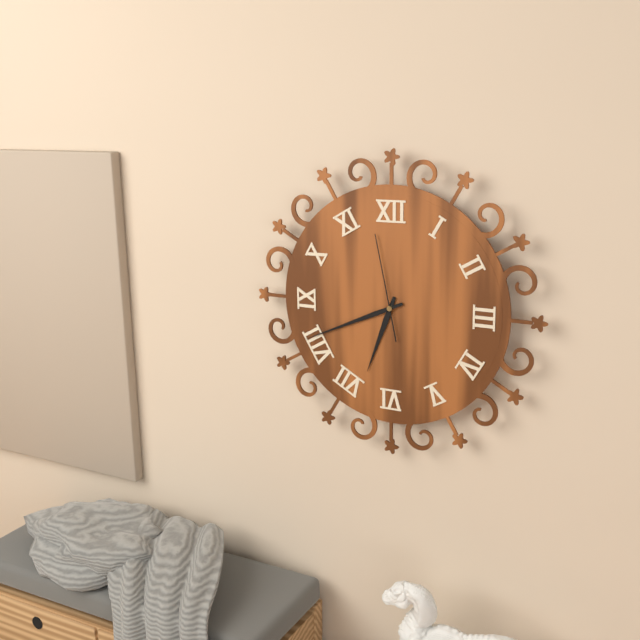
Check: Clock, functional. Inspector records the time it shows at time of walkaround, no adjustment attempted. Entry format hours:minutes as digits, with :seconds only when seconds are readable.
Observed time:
6:41:58
